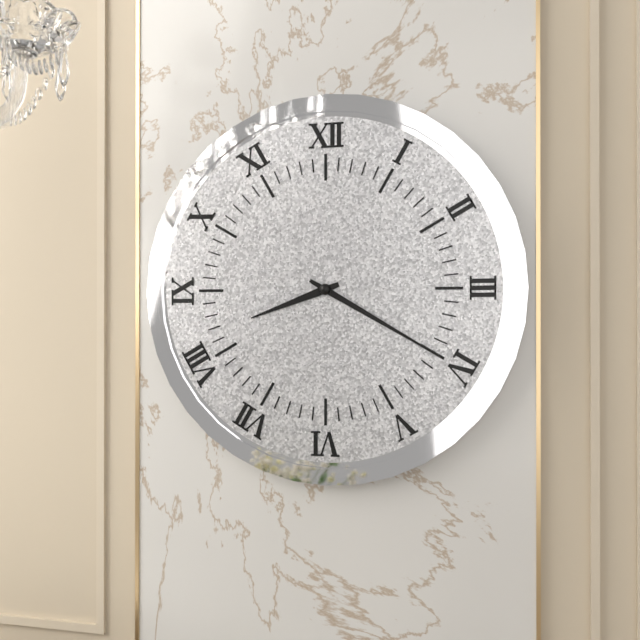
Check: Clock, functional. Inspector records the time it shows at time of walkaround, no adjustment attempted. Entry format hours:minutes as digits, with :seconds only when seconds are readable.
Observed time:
8:20
